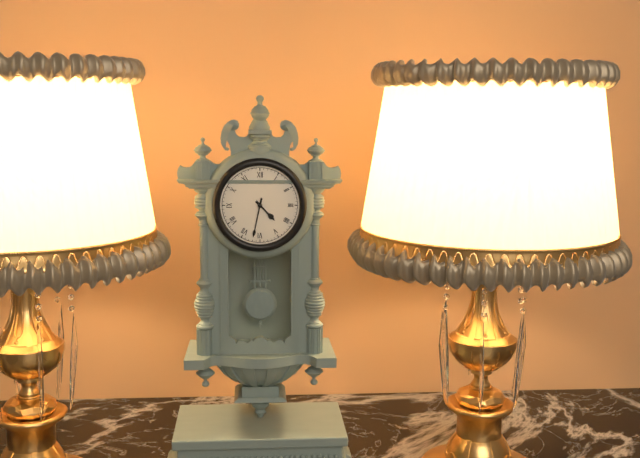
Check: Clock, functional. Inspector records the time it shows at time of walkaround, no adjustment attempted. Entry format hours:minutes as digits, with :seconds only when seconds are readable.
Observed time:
4:32
